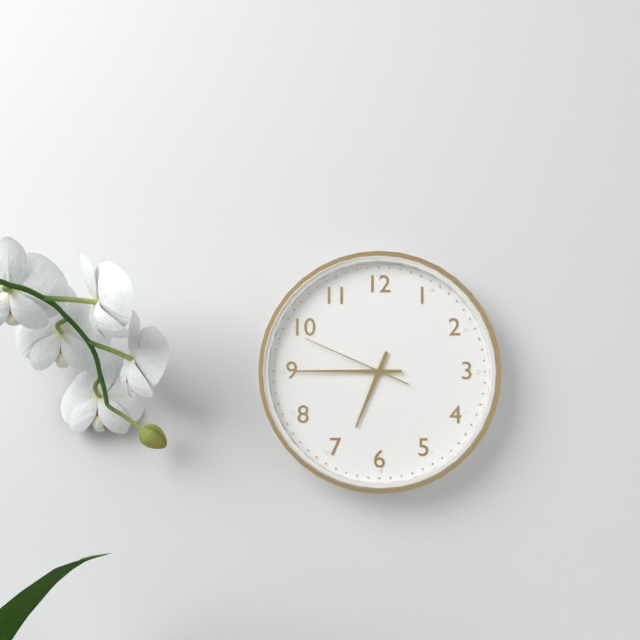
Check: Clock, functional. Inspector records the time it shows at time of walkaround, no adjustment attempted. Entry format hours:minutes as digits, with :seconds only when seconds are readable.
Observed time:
6:45:49
